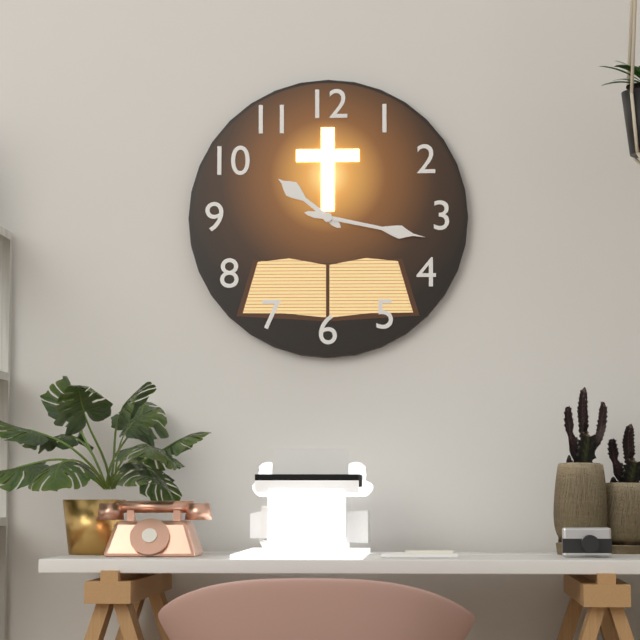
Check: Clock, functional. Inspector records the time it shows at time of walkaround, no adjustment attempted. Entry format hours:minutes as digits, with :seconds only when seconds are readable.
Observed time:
10:17
